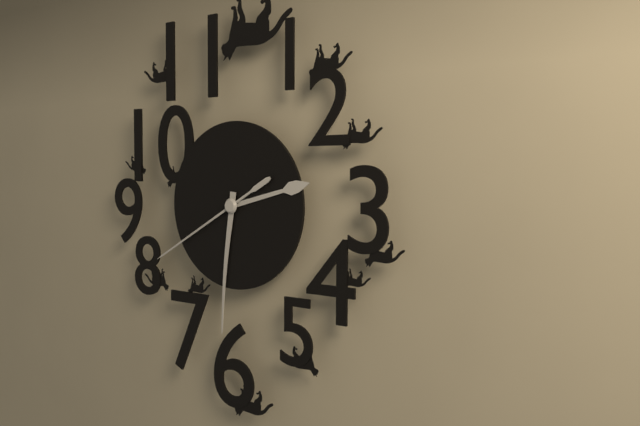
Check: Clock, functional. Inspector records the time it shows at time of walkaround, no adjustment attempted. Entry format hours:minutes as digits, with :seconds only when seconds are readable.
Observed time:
2:31:40
